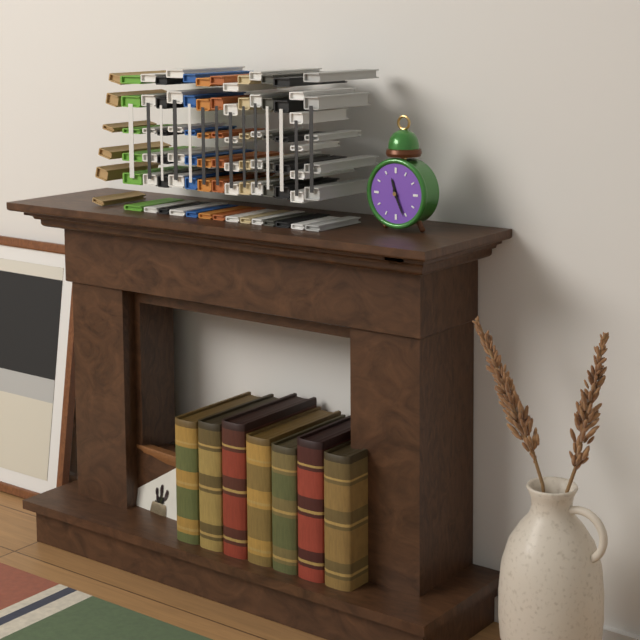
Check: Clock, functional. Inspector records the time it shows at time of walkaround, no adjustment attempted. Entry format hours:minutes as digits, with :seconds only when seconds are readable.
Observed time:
11:26
